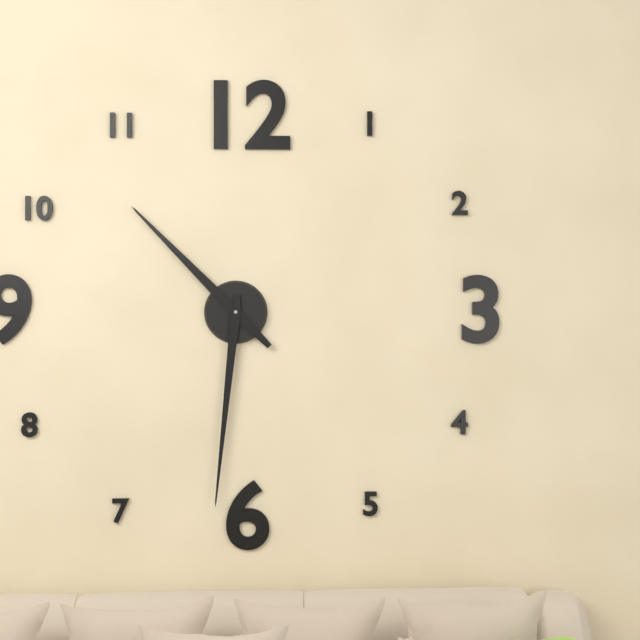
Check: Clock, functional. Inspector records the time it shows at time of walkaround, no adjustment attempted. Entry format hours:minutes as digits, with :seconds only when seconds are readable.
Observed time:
10:31
